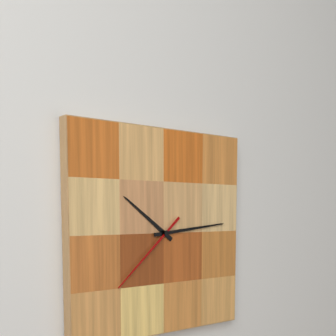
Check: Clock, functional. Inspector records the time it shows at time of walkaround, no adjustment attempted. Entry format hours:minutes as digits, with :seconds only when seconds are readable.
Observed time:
10:14:38
